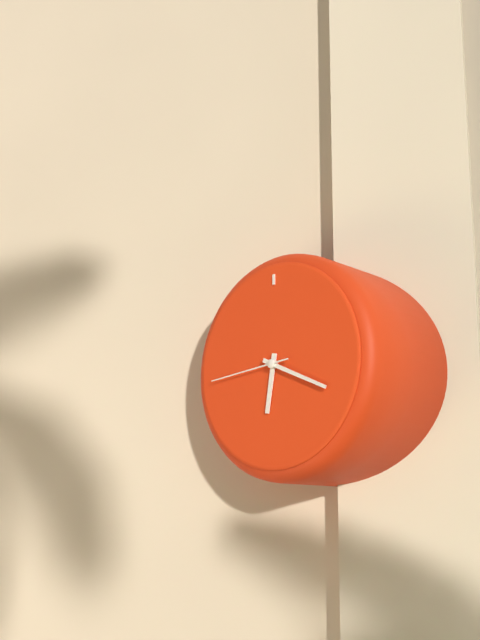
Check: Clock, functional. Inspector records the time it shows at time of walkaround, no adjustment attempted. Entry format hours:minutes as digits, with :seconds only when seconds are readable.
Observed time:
6:19:44
